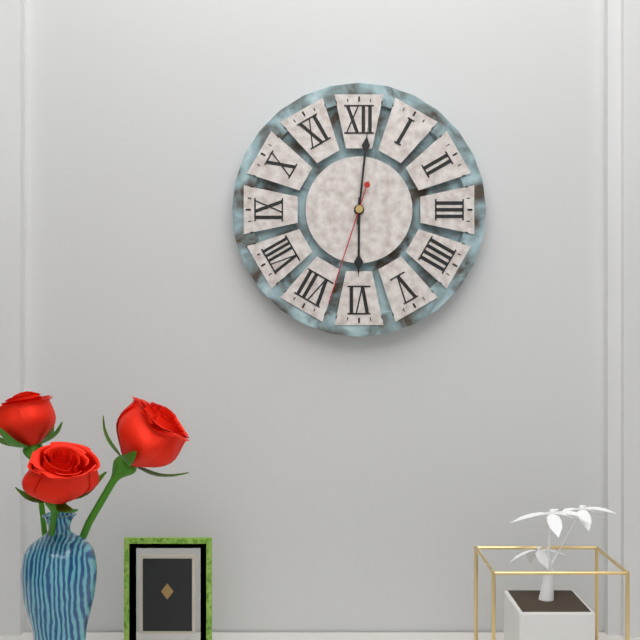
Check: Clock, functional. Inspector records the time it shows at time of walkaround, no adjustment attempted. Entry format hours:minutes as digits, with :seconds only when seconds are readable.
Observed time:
6:01:33
